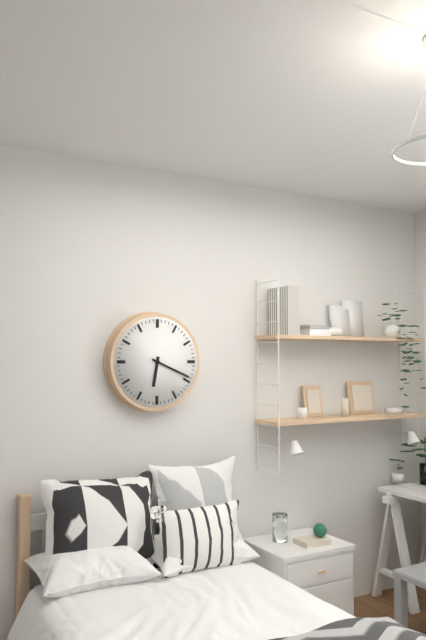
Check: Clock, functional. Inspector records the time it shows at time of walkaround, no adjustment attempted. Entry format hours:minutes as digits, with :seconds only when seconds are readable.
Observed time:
6:19
